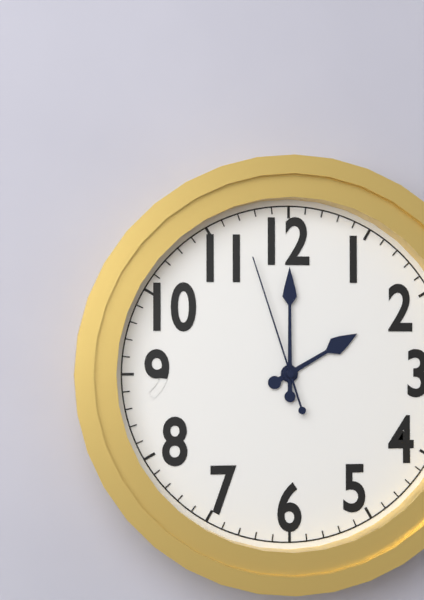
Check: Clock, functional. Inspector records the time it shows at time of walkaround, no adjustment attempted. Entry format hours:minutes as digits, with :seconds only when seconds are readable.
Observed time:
2:00:57
